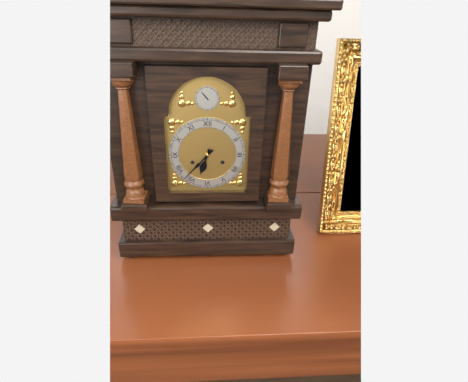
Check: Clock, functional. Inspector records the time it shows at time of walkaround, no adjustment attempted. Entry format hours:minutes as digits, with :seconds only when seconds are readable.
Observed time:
6:37
